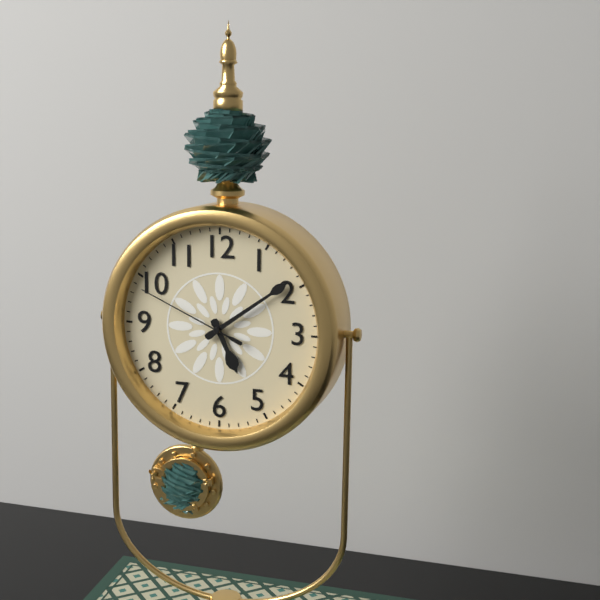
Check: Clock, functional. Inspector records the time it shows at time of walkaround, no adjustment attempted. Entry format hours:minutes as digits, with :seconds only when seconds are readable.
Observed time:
5:09:49
